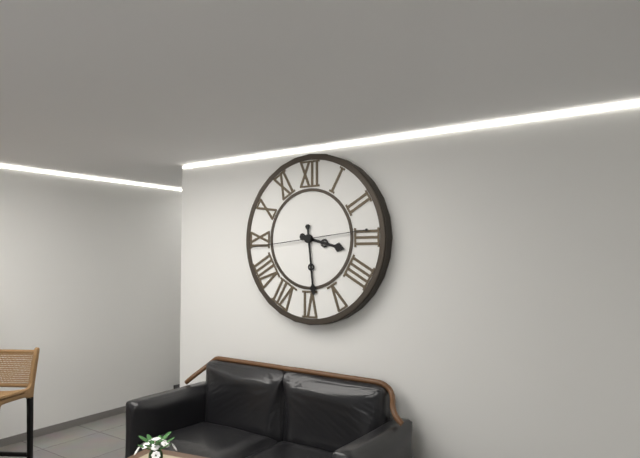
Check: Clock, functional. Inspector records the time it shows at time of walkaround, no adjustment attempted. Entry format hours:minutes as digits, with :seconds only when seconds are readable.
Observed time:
3:29:44
